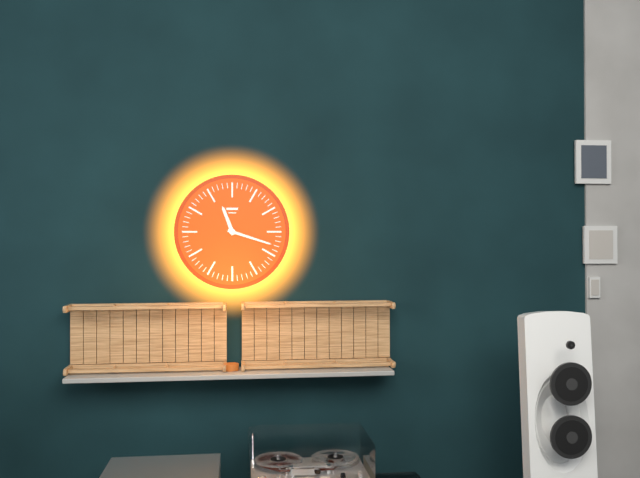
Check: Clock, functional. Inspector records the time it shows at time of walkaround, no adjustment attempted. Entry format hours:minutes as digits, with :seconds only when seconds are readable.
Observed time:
11:18
